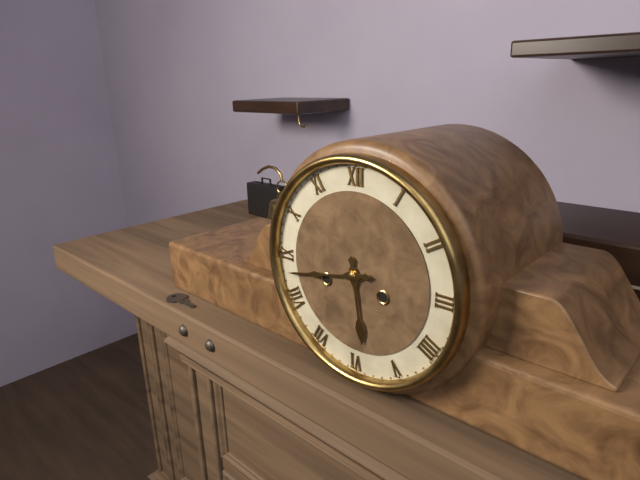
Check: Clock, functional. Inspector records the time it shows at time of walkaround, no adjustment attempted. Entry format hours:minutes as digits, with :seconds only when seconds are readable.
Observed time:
5:43
